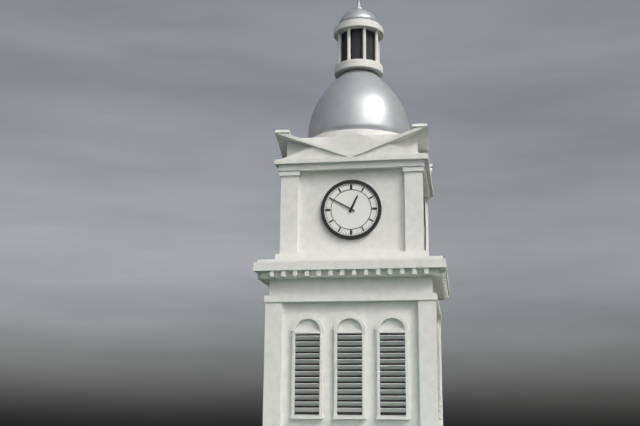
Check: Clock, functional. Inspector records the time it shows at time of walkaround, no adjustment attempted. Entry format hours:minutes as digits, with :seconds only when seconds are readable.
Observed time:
12:50
